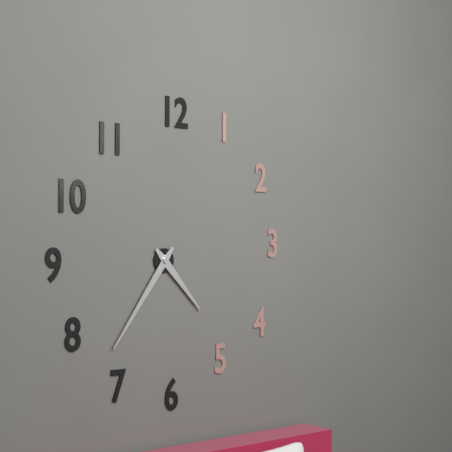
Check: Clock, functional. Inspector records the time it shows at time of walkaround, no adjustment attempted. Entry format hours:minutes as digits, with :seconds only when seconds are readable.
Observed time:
4:36
